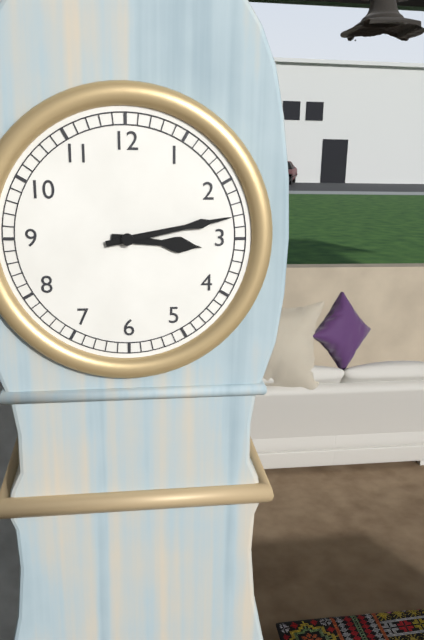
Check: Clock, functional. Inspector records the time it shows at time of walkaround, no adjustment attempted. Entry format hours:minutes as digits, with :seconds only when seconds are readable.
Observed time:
3:13
